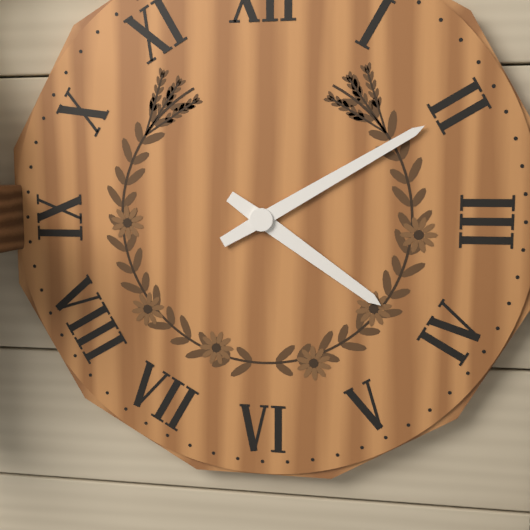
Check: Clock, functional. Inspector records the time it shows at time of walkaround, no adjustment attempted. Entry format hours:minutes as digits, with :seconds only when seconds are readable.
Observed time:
4:10
